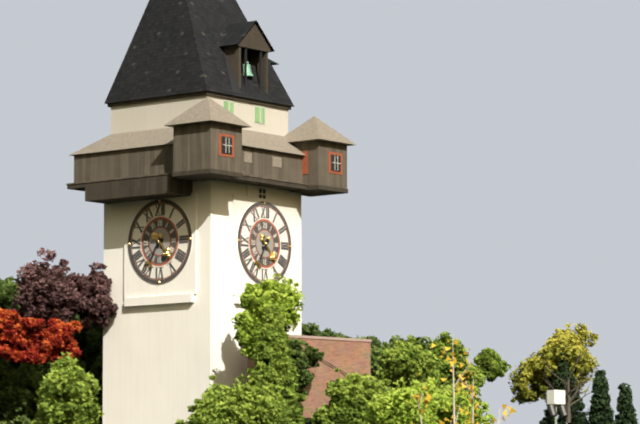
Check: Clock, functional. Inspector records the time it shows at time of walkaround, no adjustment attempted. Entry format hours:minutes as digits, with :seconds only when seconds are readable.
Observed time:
4:35
